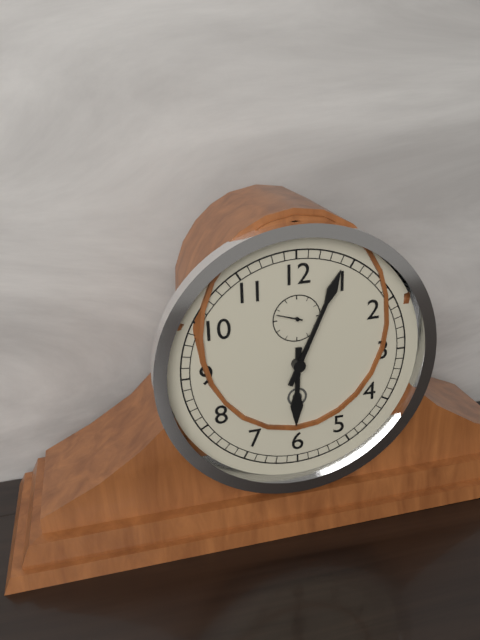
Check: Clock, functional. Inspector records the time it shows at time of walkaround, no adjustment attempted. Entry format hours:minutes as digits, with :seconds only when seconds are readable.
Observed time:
6:04
